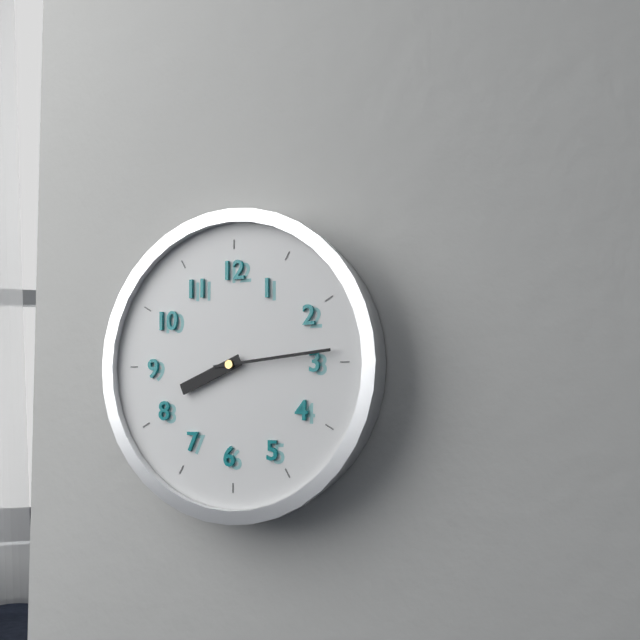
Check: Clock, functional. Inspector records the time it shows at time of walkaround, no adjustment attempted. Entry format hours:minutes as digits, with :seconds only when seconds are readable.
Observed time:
8:14
